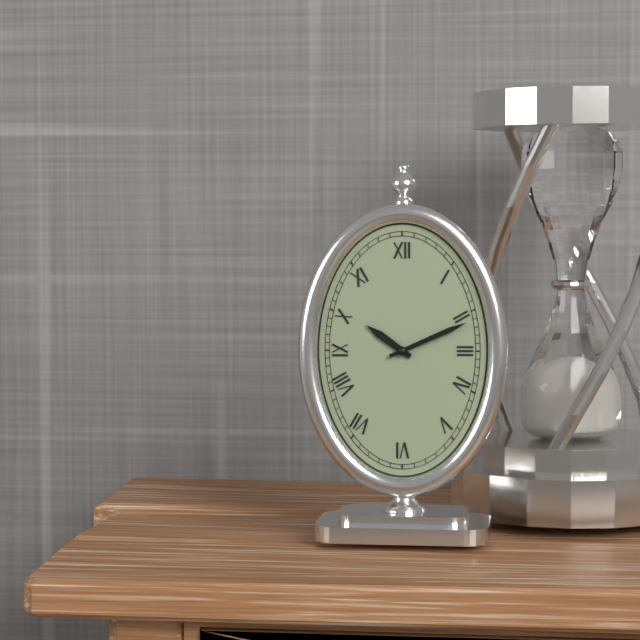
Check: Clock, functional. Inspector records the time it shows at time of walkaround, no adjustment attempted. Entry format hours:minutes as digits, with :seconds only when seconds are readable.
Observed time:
10:11
